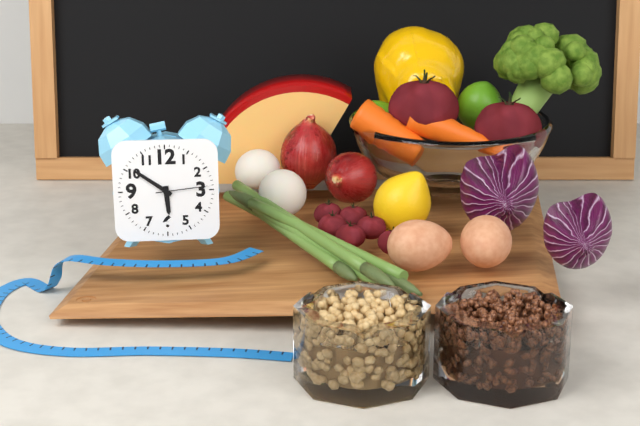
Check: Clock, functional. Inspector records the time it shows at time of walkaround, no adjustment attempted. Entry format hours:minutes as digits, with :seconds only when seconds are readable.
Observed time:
5:51:14
